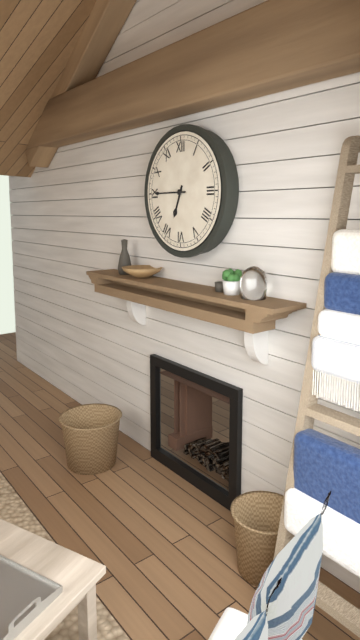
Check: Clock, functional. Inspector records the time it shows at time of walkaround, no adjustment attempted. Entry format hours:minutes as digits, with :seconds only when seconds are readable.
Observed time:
6:45
